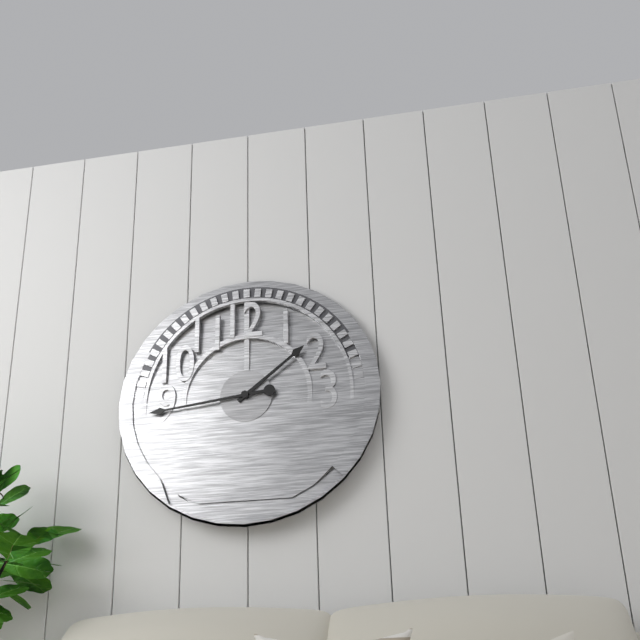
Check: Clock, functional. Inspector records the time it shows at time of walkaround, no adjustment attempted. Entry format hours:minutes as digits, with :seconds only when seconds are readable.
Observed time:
1:44
